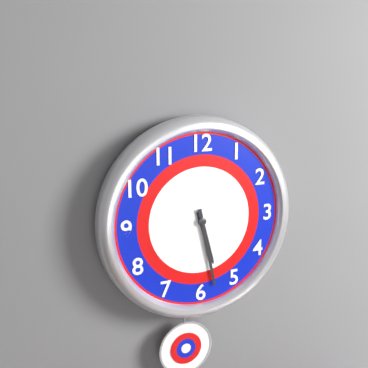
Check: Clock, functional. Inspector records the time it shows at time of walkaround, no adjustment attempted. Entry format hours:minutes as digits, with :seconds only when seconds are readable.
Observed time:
5:28
